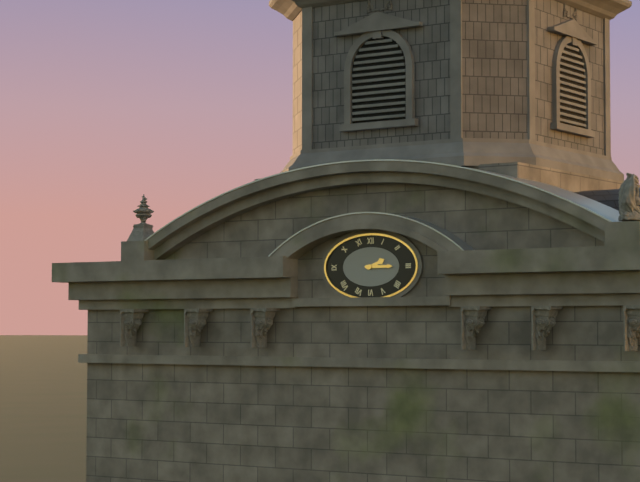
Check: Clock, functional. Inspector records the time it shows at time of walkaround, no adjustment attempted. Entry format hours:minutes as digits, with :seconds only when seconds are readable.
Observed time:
2:15
